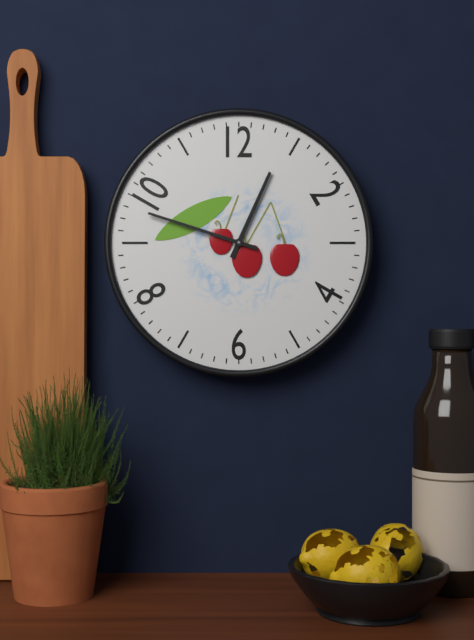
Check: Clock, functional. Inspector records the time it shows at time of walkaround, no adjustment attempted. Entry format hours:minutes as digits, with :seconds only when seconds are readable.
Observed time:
12:48
